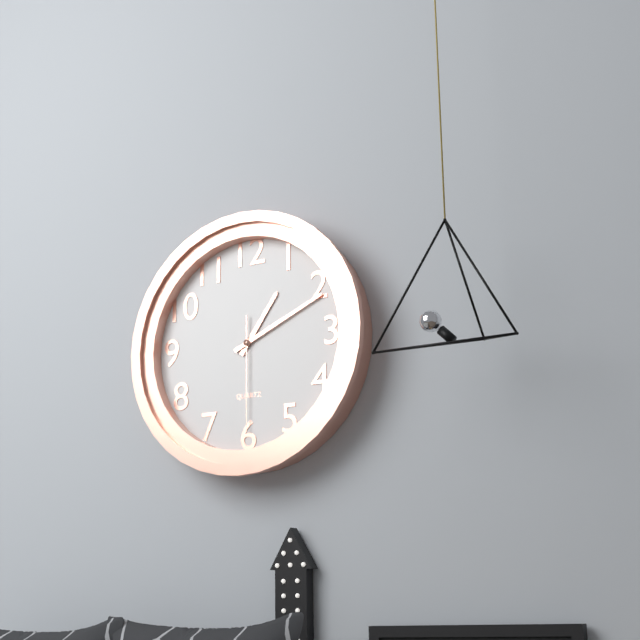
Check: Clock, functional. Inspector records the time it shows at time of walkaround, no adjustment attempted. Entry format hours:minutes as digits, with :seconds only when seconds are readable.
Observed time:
1:11:30
